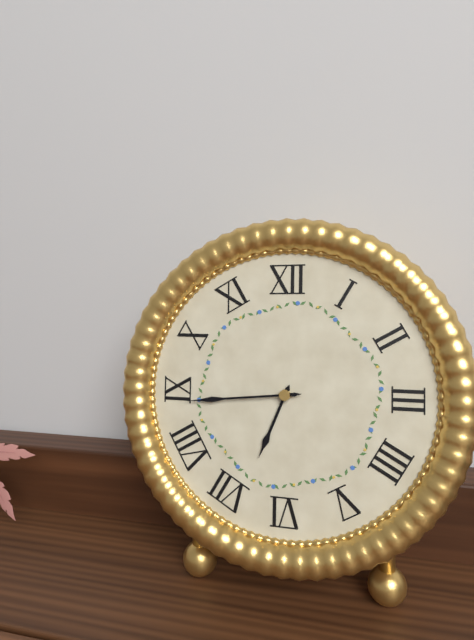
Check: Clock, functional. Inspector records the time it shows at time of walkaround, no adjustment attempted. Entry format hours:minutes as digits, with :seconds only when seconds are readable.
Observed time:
6:44
